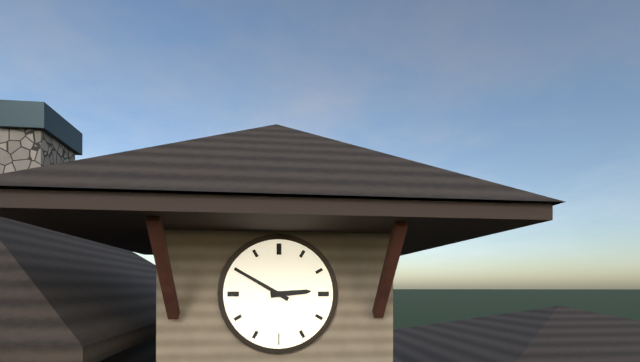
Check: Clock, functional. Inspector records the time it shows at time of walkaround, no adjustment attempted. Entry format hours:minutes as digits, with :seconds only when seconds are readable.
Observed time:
2:50
